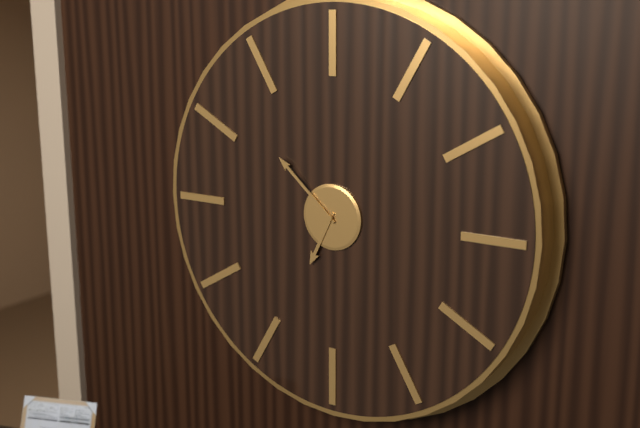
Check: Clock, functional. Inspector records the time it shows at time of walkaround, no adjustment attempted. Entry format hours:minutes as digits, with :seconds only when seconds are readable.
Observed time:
6:52
